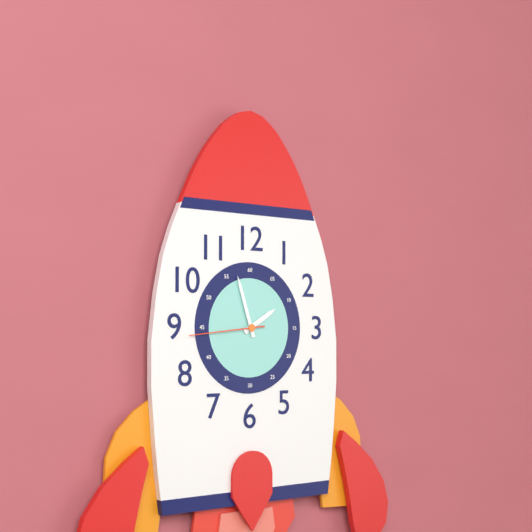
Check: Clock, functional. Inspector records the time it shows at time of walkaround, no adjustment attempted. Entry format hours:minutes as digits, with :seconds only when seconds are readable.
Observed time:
1:57:44
